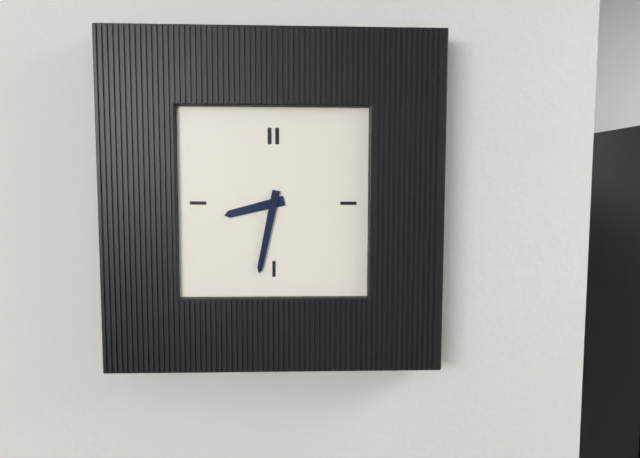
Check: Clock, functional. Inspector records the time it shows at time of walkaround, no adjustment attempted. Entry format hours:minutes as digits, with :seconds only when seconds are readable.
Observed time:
8:32
